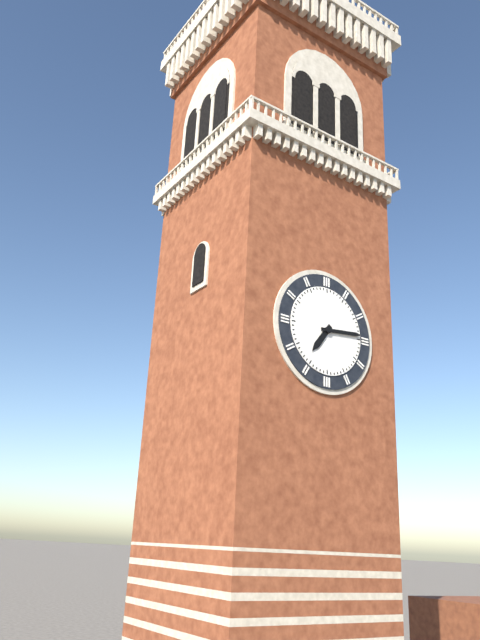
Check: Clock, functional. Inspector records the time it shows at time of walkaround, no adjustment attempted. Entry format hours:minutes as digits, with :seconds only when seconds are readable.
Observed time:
7:14
